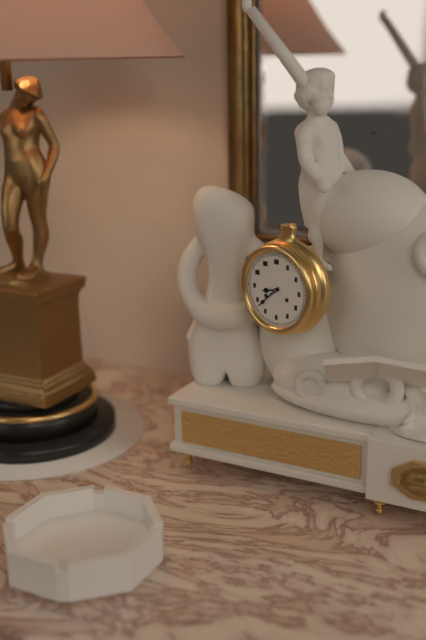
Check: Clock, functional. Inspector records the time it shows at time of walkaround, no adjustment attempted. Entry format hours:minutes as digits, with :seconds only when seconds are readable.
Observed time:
8:38
